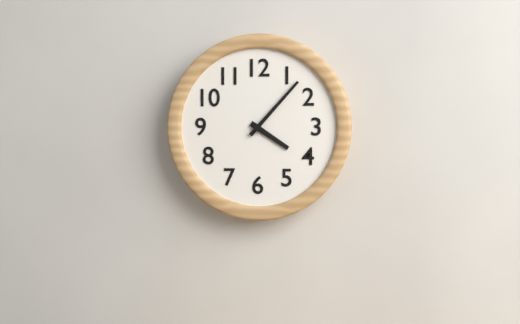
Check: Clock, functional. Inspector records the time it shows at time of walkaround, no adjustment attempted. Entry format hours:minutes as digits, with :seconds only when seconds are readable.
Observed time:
4:07
